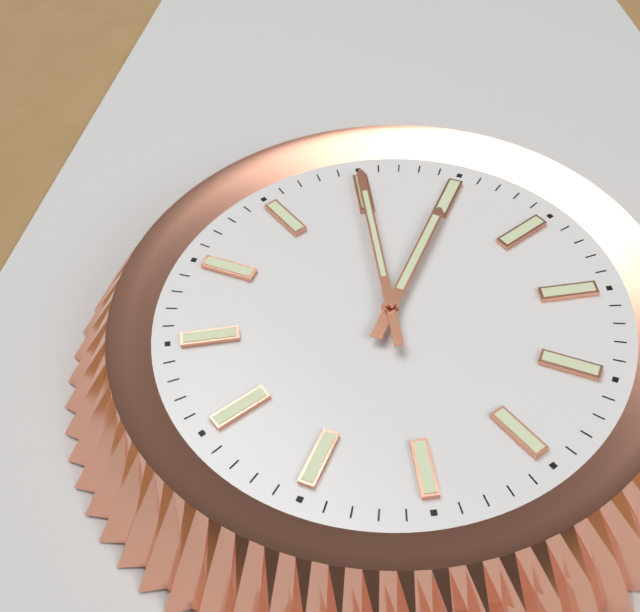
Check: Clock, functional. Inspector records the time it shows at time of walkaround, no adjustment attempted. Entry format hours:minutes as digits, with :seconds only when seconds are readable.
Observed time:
1:00
